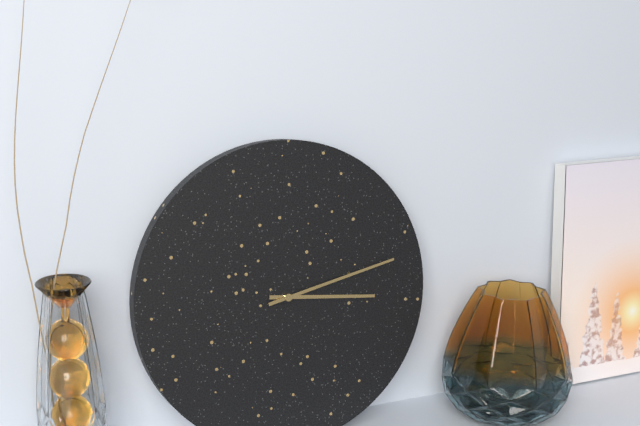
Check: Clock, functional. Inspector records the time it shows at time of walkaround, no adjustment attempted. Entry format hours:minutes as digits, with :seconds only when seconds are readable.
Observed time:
3:13
